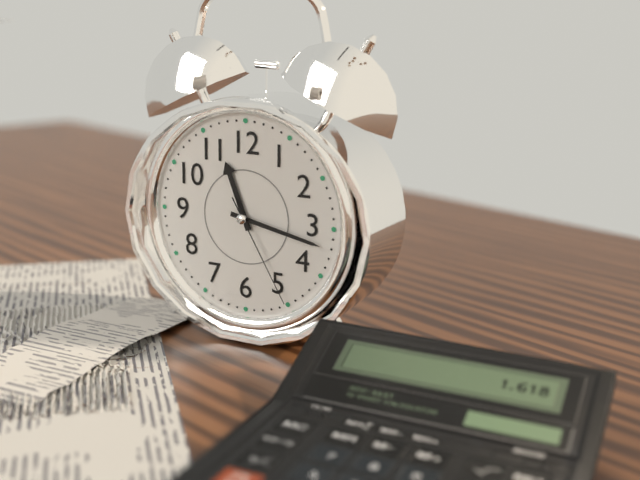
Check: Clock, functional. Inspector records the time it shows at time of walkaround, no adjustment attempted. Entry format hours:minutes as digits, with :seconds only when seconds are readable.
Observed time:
11:17:25
